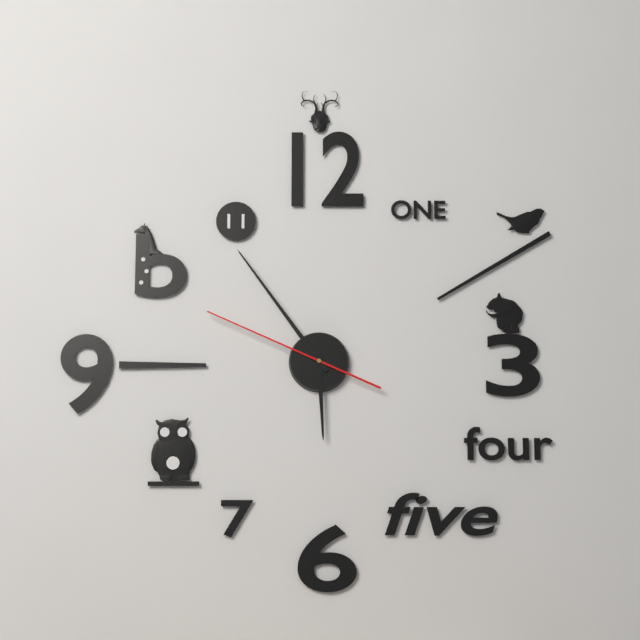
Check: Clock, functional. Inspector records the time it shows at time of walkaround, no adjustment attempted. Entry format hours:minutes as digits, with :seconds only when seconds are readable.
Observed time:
5:54:49
